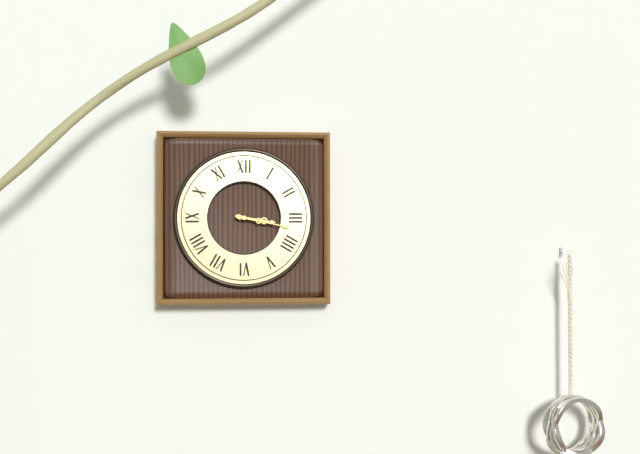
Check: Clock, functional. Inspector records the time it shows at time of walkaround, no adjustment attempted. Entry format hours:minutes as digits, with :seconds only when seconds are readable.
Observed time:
3:17
